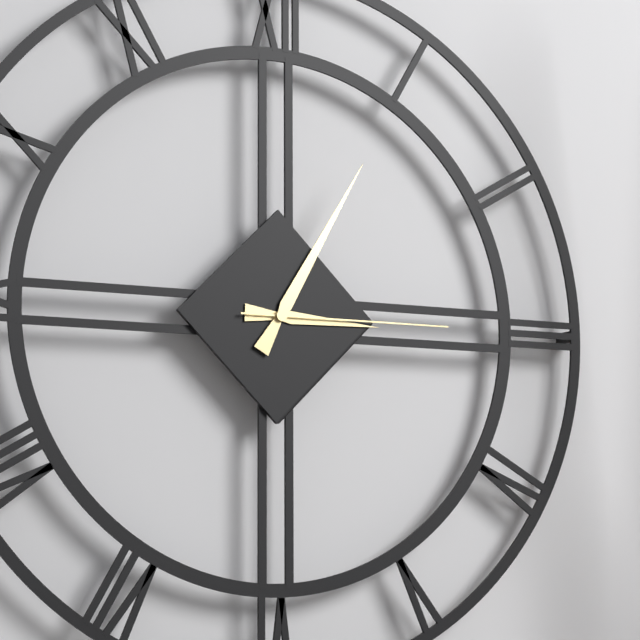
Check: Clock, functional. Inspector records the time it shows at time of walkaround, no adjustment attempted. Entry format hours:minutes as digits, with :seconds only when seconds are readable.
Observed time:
3:05:15
